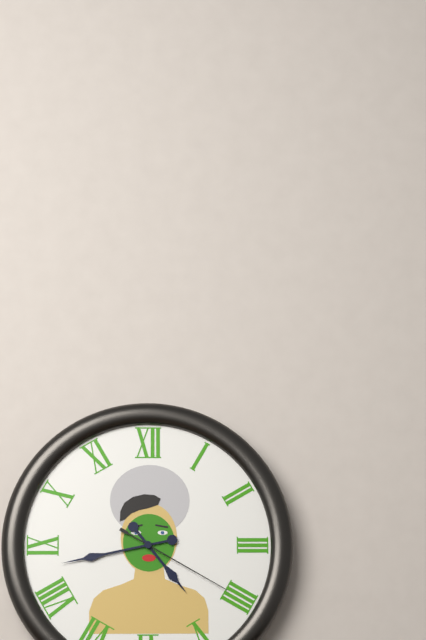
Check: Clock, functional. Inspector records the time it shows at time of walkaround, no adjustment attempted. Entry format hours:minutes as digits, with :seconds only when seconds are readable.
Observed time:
4:43:20
